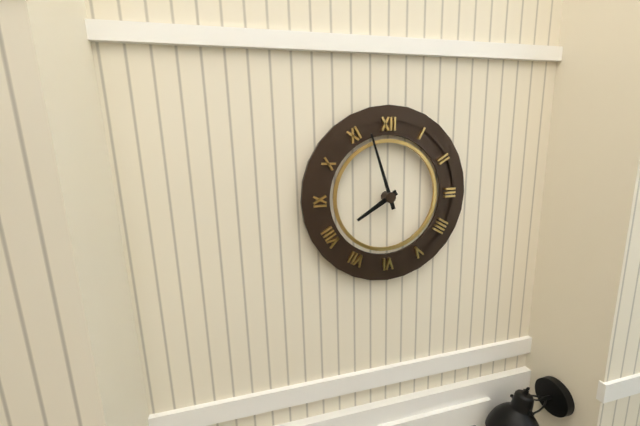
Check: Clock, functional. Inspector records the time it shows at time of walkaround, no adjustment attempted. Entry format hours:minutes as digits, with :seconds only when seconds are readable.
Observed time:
7:57
